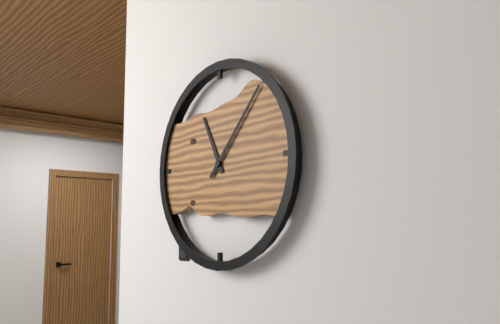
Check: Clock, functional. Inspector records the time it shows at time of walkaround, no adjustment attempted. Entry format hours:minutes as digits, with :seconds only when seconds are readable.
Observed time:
11:07
